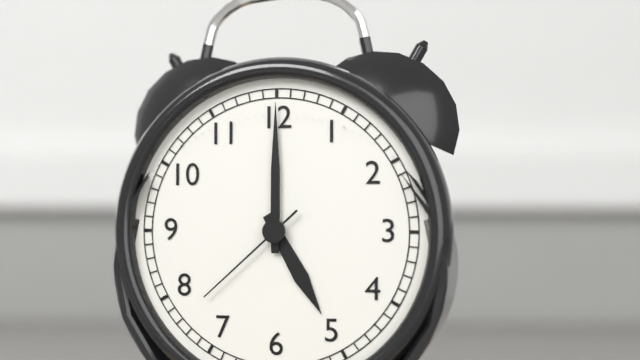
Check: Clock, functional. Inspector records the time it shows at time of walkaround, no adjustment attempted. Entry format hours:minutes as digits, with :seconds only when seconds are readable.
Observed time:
5:00:38
